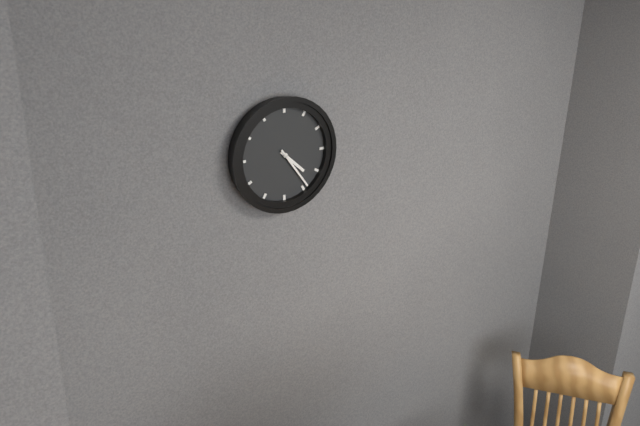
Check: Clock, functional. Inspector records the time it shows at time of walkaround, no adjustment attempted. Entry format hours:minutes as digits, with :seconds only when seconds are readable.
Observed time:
4:24
